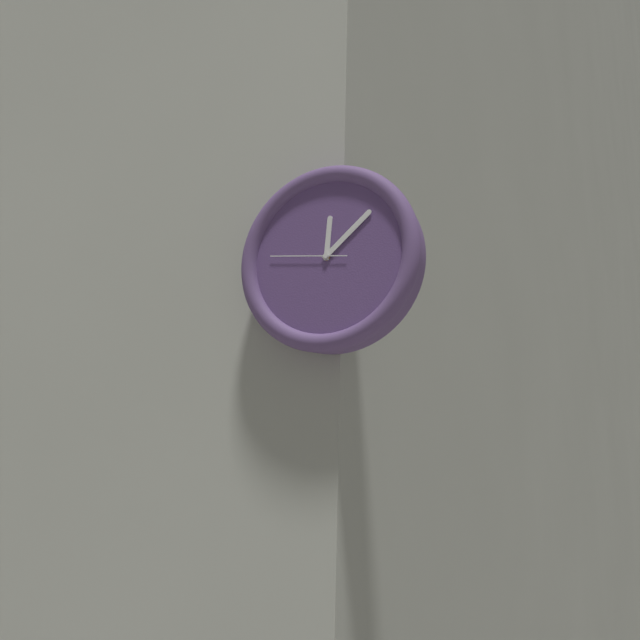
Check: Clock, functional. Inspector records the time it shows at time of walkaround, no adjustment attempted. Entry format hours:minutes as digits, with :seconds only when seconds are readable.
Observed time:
12:08:46
